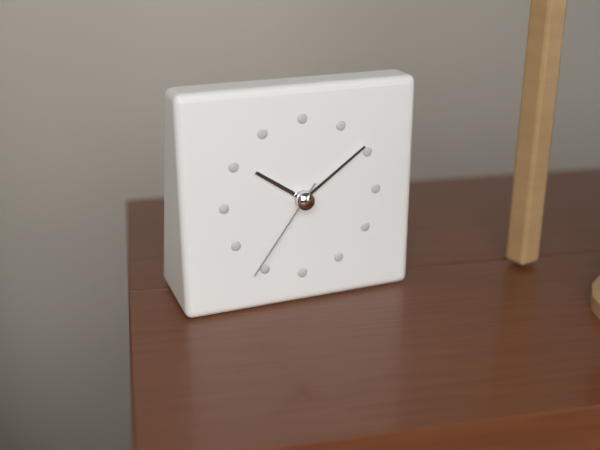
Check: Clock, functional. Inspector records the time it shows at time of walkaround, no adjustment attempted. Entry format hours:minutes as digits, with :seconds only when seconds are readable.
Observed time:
10:09:36
